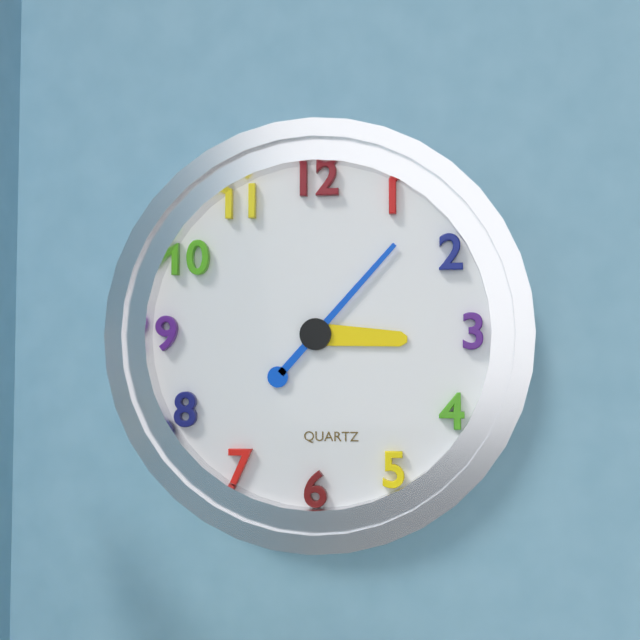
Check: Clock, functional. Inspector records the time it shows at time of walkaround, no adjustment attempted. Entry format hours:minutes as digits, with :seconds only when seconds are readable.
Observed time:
3:07
